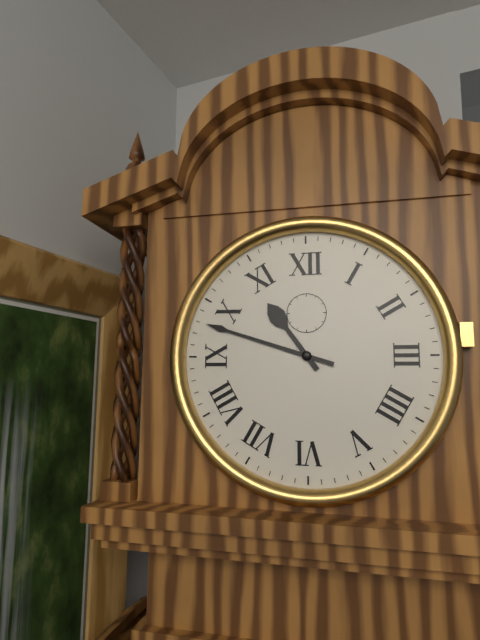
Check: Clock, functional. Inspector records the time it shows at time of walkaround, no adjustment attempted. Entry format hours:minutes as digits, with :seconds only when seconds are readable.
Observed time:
10:48
